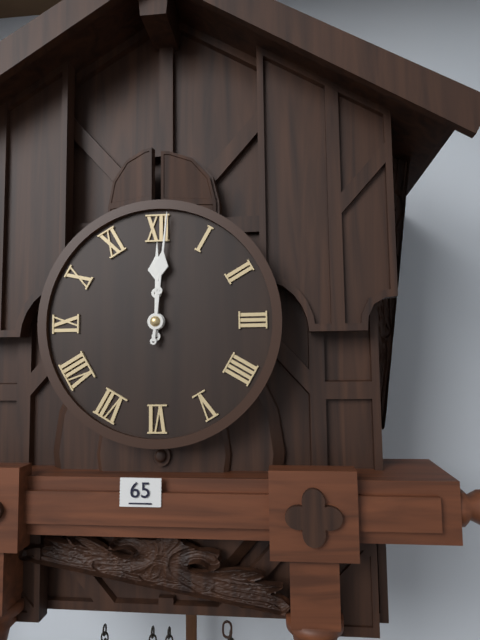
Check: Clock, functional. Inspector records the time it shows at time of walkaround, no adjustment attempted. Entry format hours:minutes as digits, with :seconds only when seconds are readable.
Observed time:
12:01
